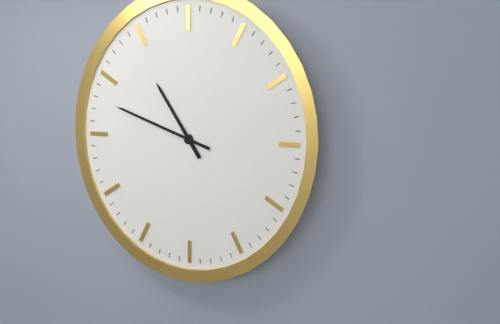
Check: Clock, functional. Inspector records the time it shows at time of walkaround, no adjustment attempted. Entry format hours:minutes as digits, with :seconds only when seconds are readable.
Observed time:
10:48
